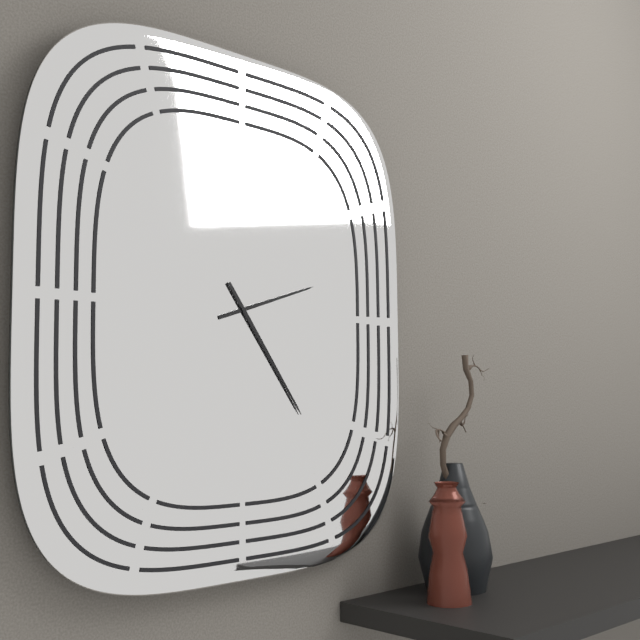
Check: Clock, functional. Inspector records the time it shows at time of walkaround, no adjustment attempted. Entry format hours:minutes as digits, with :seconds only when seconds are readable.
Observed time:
2:24
